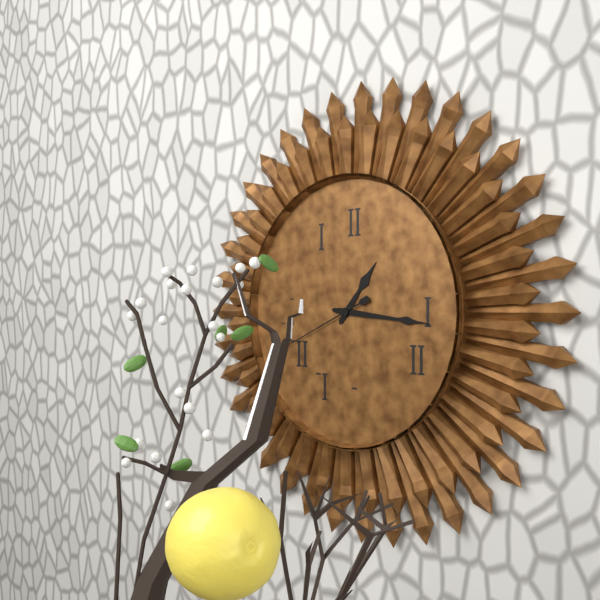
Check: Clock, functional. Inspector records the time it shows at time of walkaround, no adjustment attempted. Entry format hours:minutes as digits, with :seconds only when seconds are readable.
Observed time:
1:16:41
